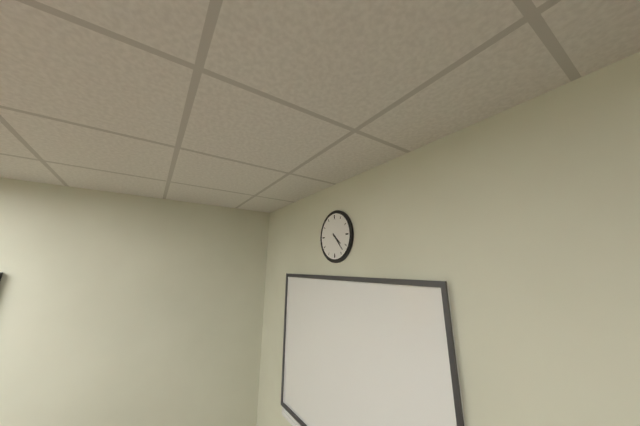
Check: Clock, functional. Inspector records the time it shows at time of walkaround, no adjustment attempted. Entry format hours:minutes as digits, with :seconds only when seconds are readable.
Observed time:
4:23
